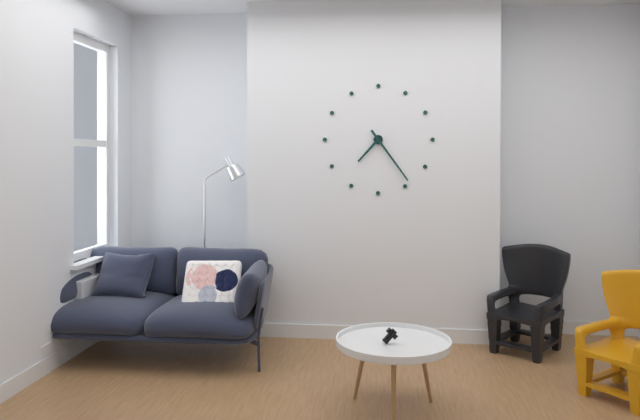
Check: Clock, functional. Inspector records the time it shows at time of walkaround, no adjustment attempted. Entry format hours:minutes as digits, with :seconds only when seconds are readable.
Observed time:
7:24
